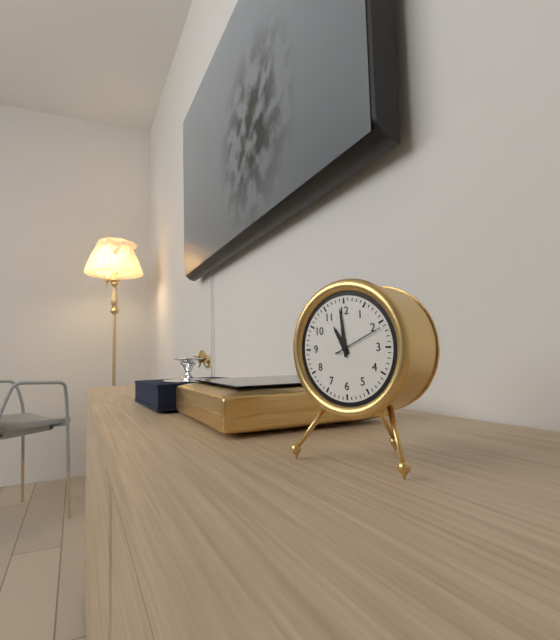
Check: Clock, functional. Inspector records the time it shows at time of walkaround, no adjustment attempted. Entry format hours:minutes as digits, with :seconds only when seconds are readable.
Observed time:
10:59:11
